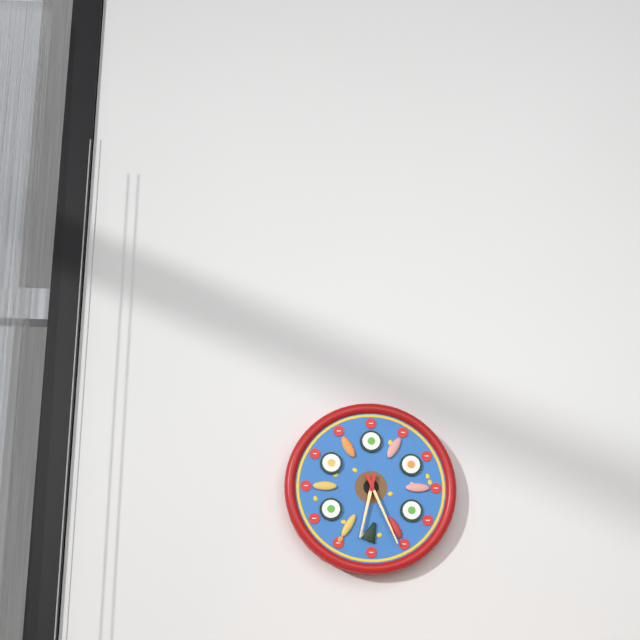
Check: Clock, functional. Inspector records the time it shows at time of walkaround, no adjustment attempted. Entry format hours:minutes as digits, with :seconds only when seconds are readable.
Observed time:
6:26
